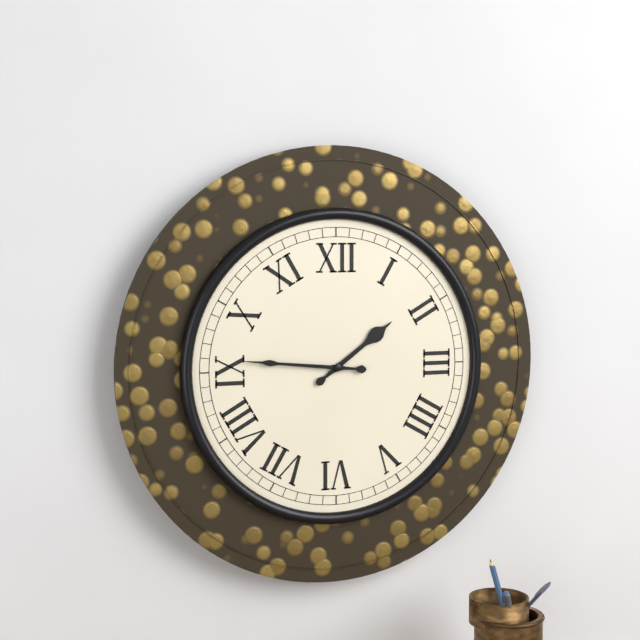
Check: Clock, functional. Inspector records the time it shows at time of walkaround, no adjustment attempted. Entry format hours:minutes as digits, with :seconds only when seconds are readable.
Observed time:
1:46
